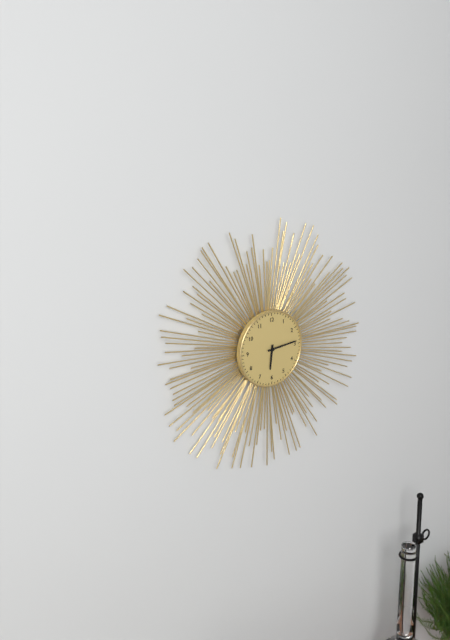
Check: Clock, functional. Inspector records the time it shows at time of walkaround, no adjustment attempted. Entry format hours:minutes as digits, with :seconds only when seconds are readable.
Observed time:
6:14
